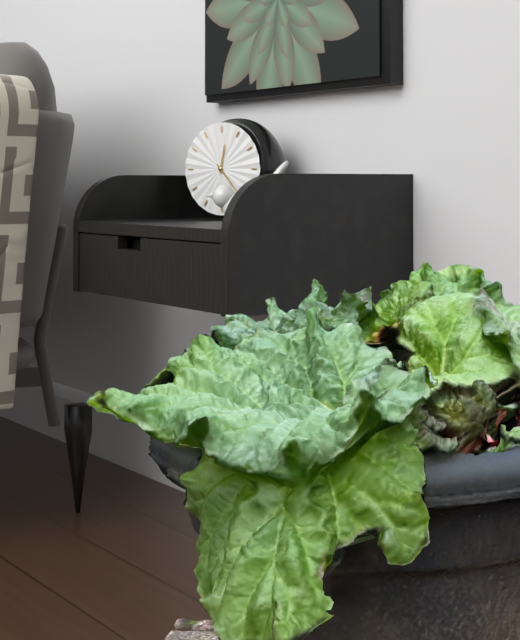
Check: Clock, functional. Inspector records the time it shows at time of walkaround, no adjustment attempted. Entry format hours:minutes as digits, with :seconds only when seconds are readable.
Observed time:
12:23
